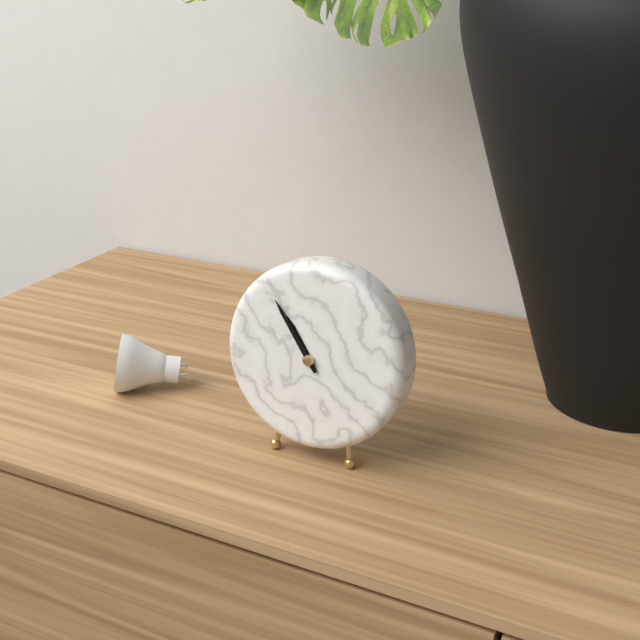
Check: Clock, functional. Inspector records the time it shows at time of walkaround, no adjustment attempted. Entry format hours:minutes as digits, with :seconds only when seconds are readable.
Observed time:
10:54
